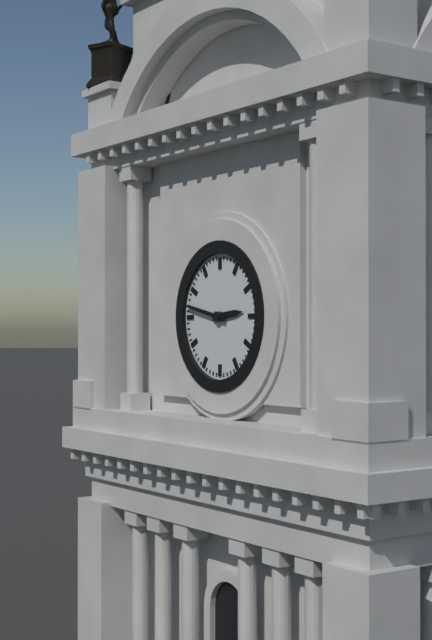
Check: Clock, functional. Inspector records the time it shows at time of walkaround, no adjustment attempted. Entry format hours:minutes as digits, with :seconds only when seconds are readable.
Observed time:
2:47
